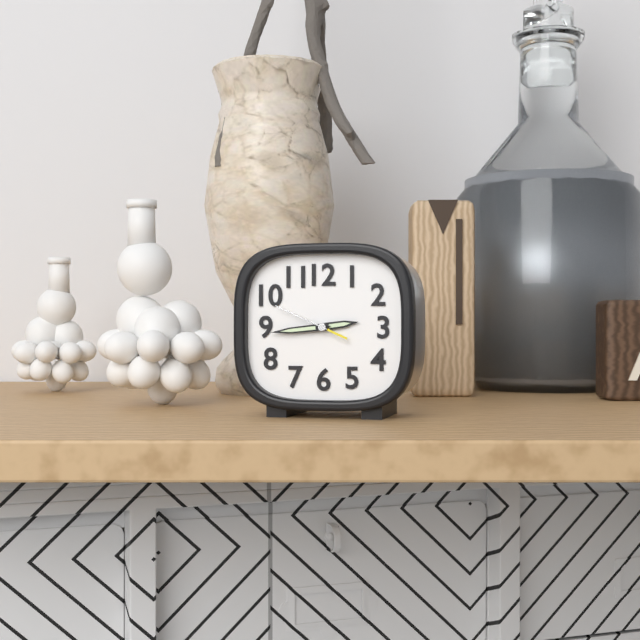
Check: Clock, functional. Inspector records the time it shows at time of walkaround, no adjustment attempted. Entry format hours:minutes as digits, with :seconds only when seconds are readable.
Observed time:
2:44:49
